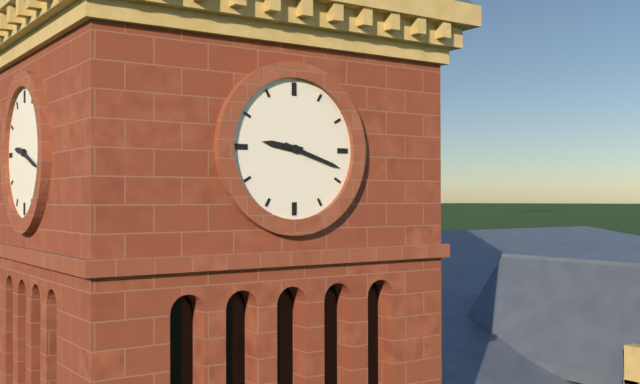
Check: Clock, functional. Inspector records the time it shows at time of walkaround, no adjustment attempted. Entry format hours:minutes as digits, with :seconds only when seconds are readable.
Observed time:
9:18
